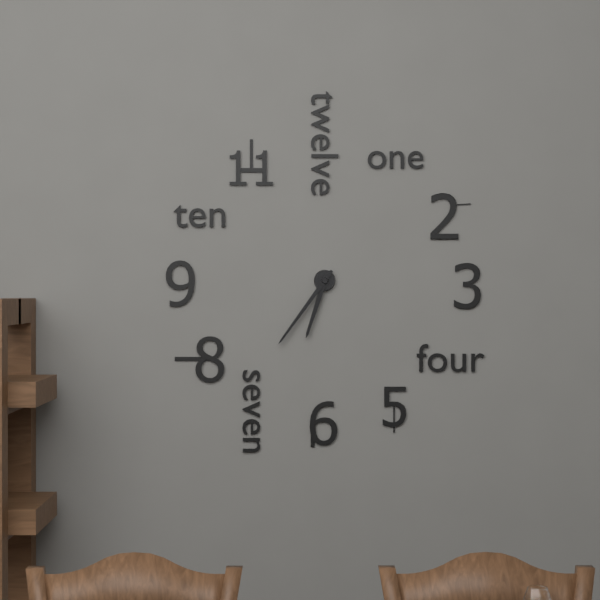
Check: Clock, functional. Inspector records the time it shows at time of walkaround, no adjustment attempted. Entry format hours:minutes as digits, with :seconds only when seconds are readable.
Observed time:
6:36
